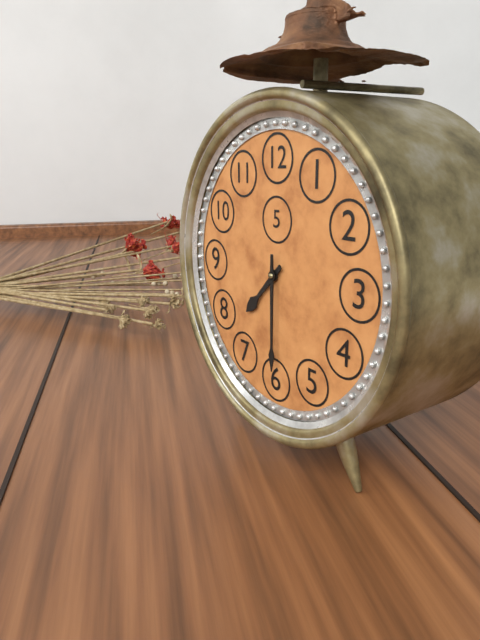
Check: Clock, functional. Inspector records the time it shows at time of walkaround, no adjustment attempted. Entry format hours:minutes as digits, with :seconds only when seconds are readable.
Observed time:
7:30
